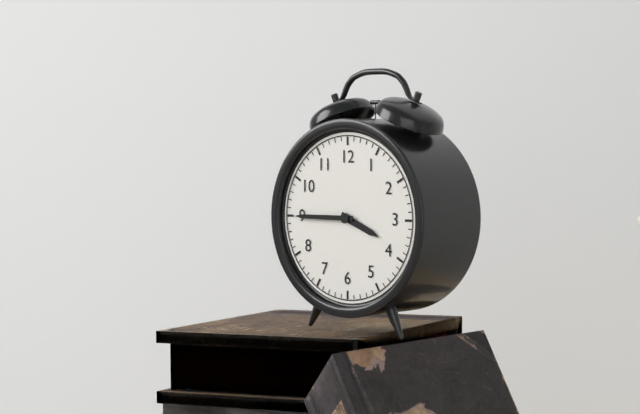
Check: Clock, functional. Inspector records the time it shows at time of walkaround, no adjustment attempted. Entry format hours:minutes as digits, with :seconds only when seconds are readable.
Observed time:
3:45
